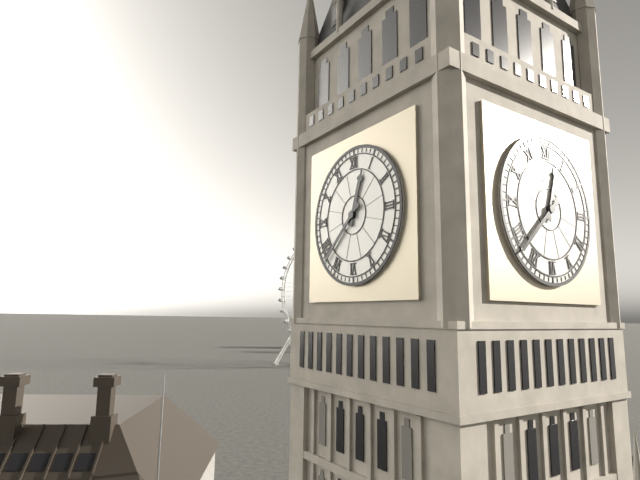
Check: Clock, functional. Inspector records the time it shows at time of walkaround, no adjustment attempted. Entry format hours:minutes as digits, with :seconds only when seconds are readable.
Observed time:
12:38
